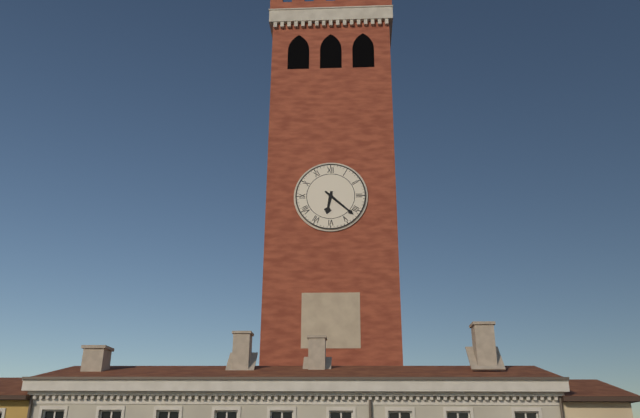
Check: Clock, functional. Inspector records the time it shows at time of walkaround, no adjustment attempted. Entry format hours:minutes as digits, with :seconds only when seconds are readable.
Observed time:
6:22
